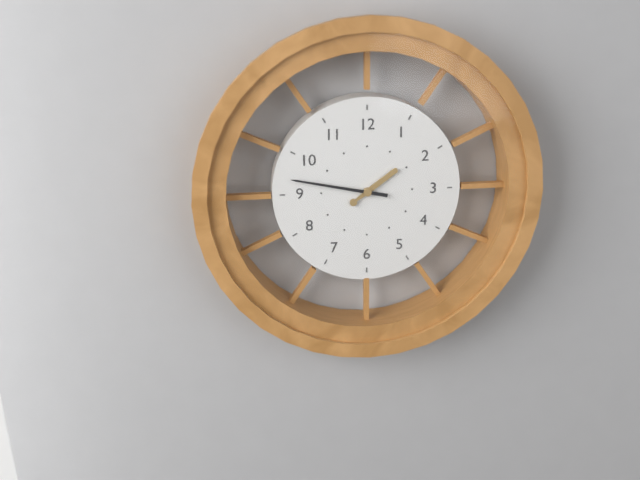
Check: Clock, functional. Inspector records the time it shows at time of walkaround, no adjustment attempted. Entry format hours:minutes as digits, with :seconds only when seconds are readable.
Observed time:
1:47
